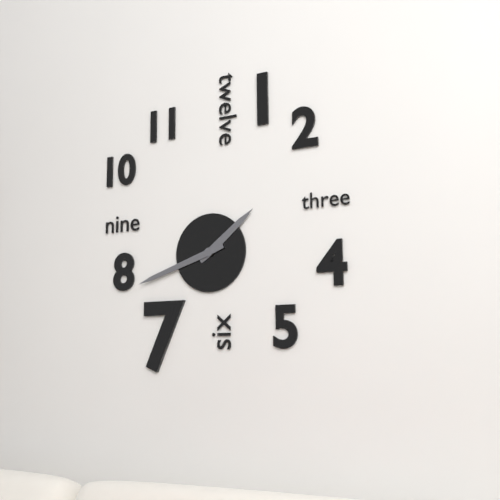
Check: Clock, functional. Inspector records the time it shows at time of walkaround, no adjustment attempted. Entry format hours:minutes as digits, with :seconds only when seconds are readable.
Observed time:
1:42
